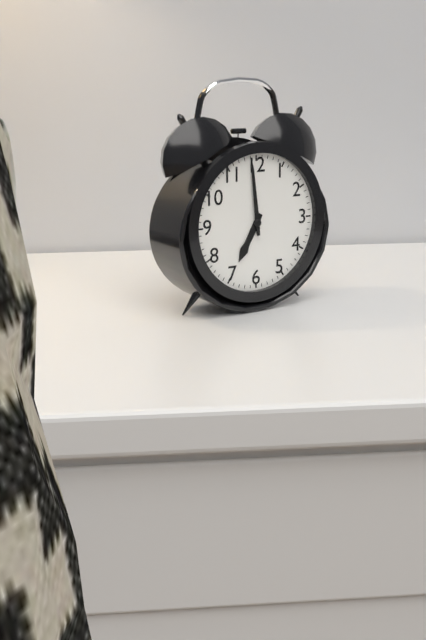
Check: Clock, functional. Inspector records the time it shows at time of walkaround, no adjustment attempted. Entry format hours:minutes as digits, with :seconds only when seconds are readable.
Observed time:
6:59
